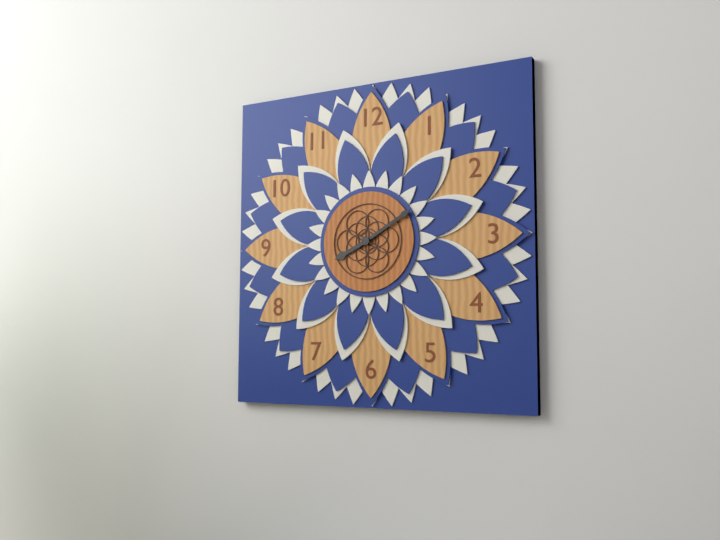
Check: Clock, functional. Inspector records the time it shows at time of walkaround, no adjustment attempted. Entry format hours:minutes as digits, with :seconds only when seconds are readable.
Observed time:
8:10
